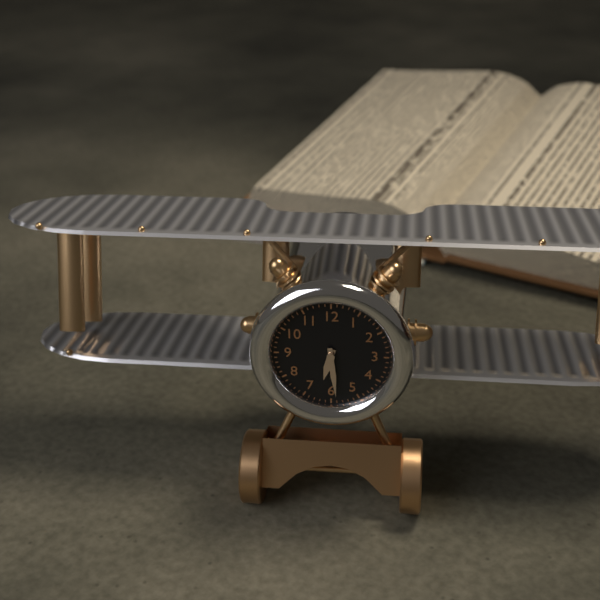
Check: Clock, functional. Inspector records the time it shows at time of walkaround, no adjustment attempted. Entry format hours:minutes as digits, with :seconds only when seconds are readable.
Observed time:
6:29
